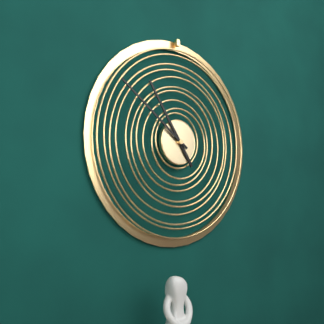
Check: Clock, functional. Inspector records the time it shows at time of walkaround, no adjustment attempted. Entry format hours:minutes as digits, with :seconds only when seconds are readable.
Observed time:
10:51
